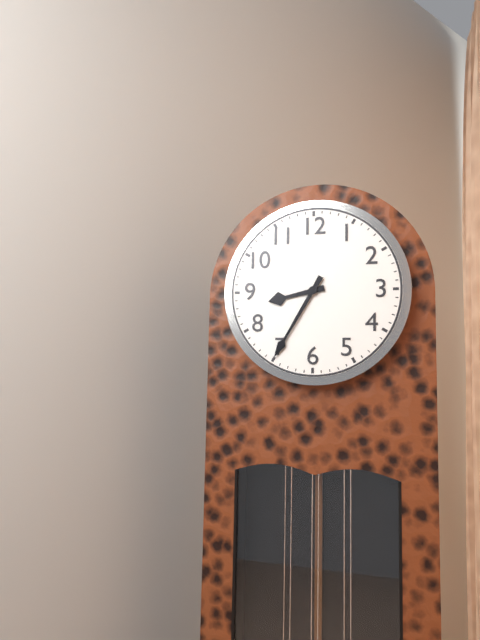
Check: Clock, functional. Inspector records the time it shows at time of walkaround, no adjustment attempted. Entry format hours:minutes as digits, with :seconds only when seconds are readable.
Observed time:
8:35
